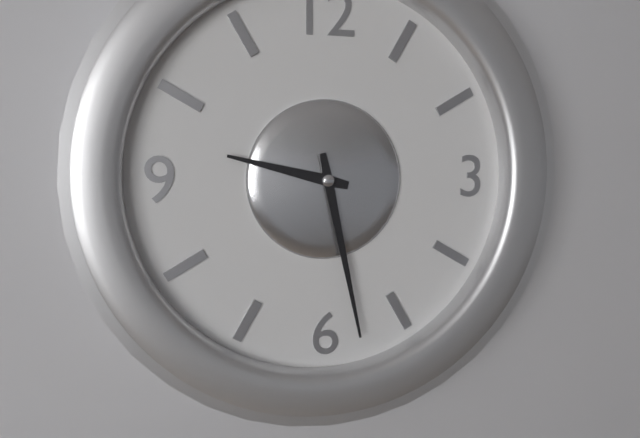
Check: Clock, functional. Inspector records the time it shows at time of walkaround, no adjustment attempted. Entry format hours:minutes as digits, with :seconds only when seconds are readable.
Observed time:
9:28
